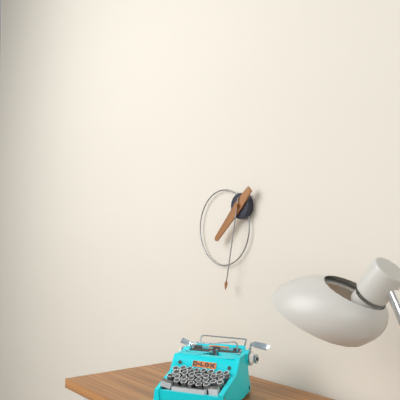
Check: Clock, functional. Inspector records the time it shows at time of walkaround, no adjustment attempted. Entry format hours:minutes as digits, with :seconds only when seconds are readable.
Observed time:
7:32
